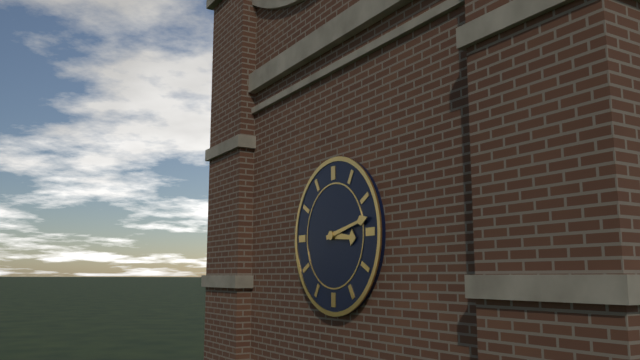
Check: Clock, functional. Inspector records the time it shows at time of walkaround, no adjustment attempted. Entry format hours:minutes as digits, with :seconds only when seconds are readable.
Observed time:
3:13
